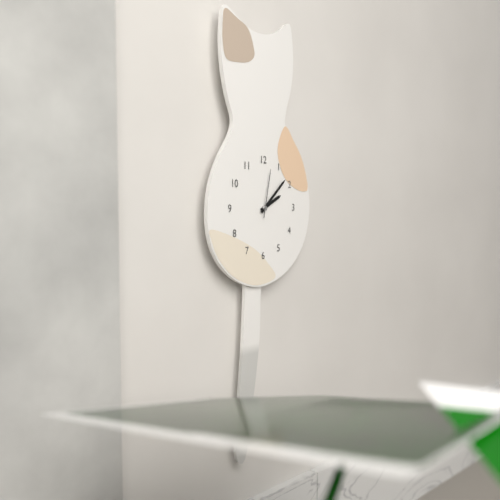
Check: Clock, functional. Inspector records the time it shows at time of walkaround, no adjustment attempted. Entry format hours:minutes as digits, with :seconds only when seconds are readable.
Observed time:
2:08
